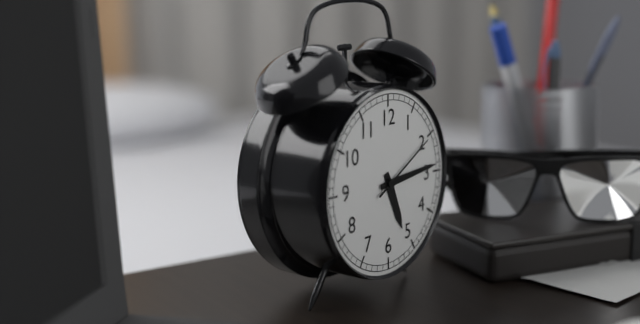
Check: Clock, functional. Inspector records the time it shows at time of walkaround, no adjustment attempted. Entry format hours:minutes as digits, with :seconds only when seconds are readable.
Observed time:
5:14:10
